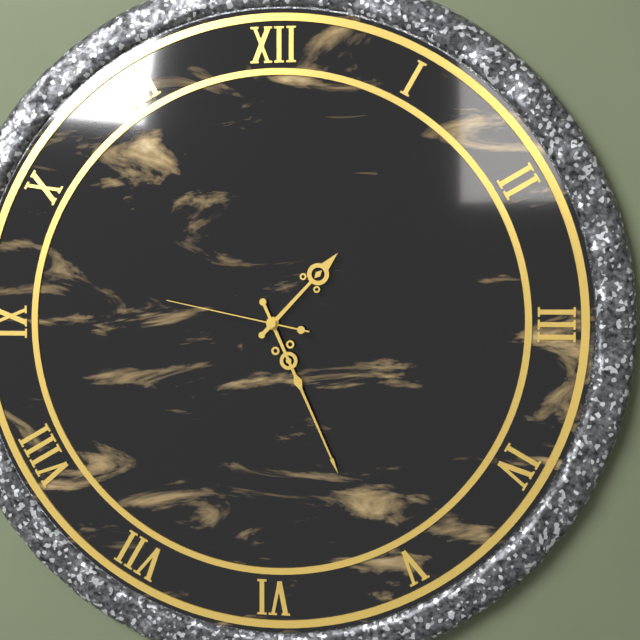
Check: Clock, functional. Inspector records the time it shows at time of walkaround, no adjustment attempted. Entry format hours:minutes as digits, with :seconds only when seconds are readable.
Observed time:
1:26:47
